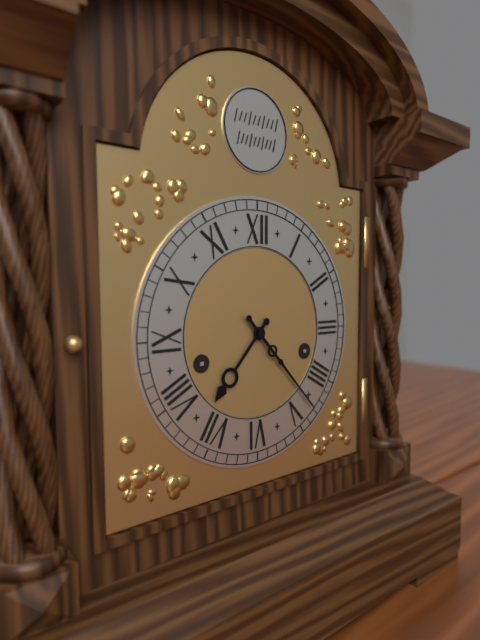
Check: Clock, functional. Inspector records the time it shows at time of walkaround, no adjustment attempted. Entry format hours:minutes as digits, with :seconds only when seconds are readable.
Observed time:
7:23
